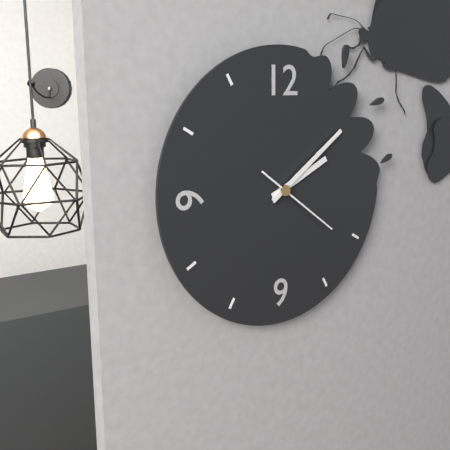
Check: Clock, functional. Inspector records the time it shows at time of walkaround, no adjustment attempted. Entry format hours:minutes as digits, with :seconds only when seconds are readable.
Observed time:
2:09:21
